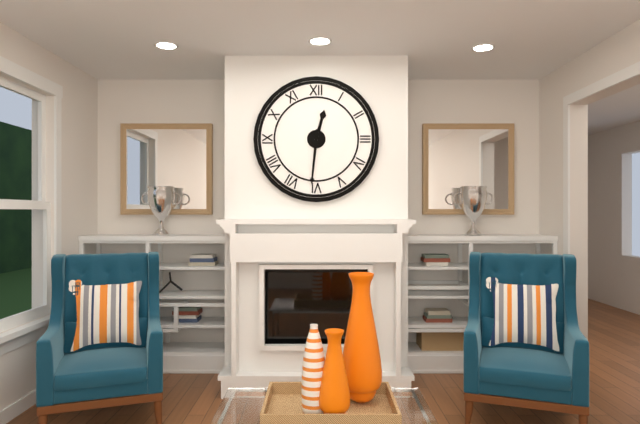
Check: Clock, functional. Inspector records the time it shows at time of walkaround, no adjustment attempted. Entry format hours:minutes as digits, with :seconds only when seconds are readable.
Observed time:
12:31
